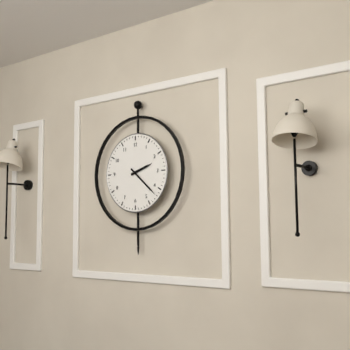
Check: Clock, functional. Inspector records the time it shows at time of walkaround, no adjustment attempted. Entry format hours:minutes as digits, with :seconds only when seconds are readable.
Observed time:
2:22
